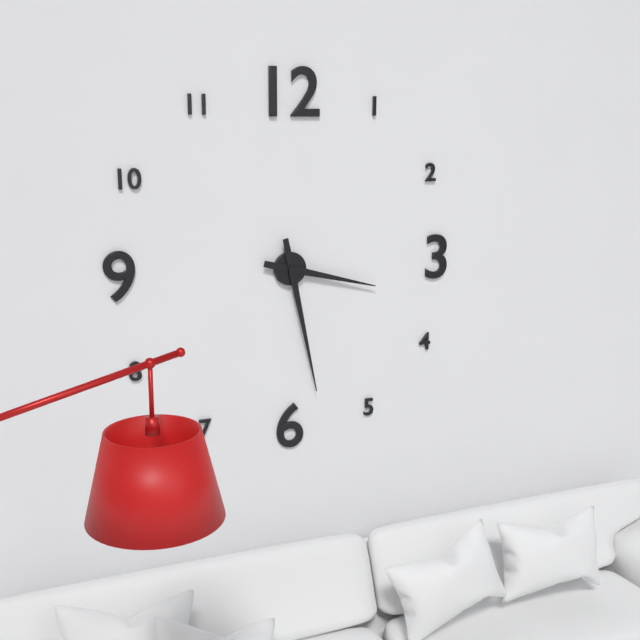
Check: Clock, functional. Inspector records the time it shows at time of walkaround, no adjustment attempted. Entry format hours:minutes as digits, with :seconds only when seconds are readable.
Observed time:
3:28
